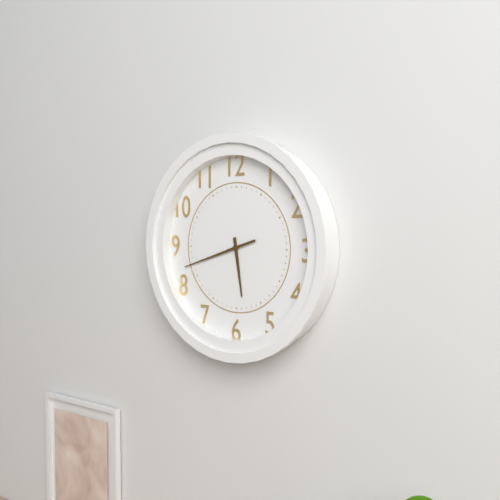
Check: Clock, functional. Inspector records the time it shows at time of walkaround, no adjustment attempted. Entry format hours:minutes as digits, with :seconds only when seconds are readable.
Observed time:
5:42
